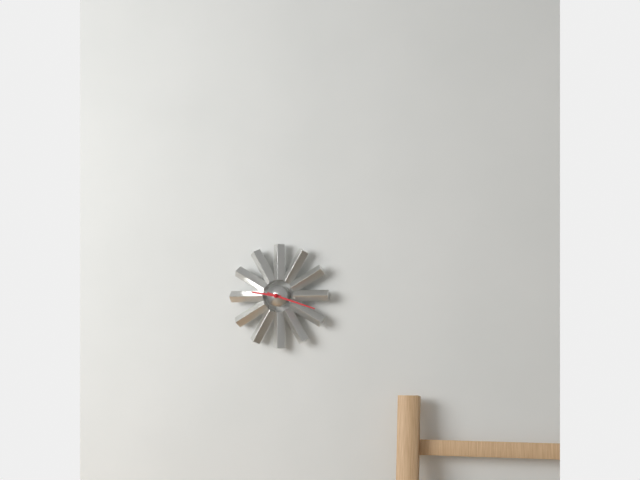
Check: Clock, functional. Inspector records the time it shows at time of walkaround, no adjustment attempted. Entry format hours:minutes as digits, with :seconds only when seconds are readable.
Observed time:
9:18
